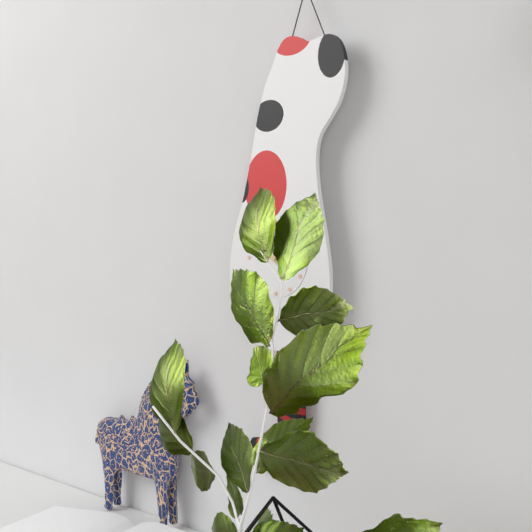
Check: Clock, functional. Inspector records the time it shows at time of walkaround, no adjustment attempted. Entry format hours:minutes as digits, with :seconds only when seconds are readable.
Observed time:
4:17
